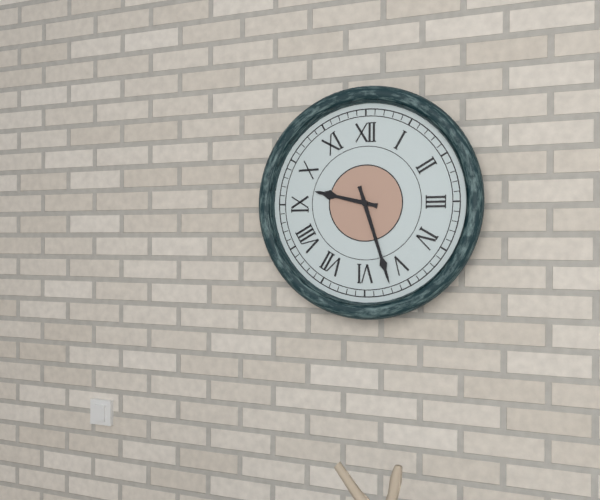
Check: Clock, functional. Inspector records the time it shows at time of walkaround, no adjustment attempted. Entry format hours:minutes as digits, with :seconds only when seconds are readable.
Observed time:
9:27
